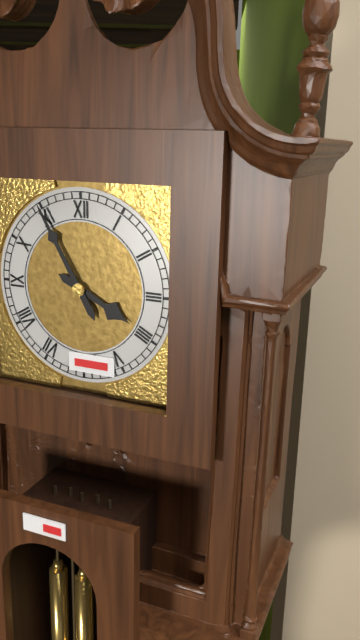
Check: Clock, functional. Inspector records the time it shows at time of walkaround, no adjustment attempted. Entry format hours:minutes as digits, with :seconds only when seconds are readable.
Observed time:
3:55
